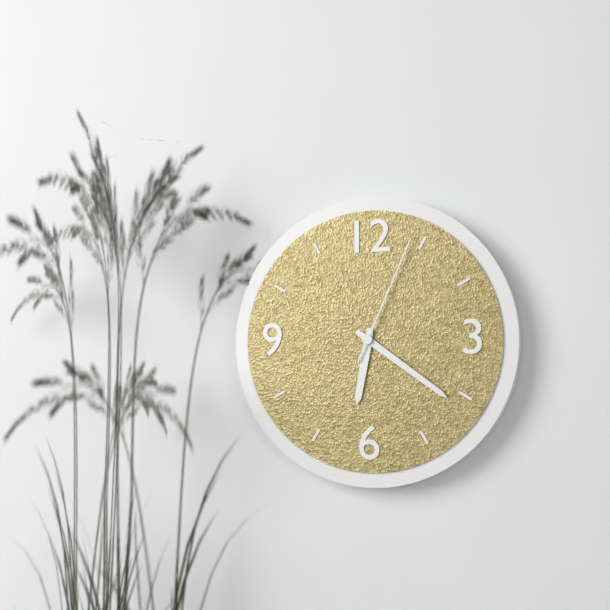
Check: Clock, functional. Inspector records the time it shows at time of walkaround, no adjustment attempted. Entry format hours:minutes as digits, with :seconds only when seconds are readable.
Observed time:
6:21:04
